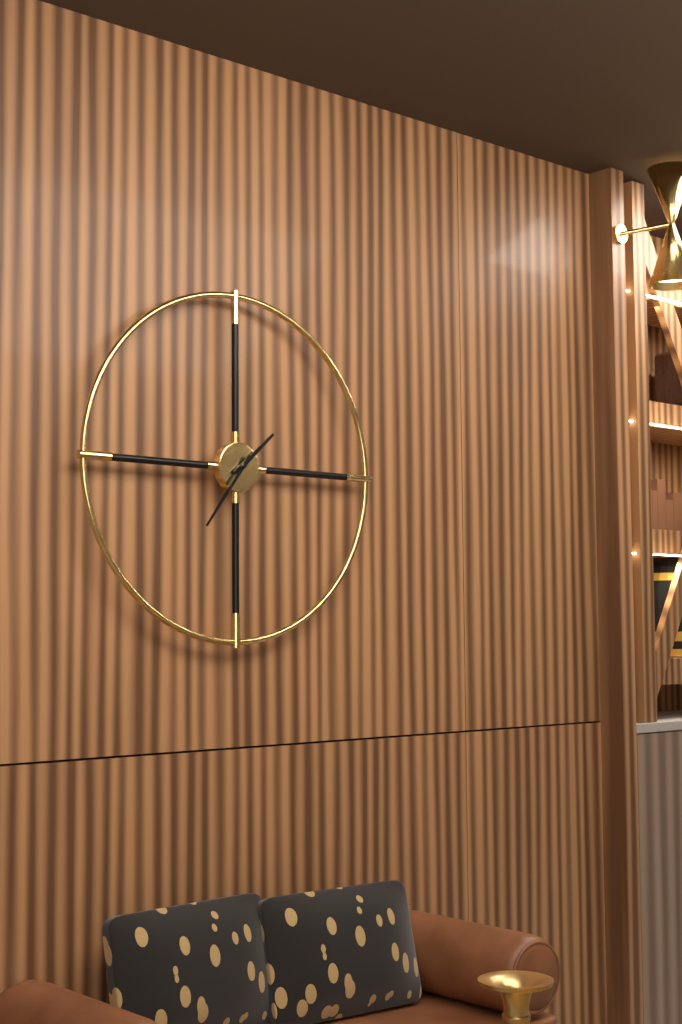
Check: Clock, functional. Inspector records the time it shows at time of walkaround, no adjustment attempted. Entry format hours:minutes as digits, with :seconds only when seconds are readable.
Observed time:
1:36
